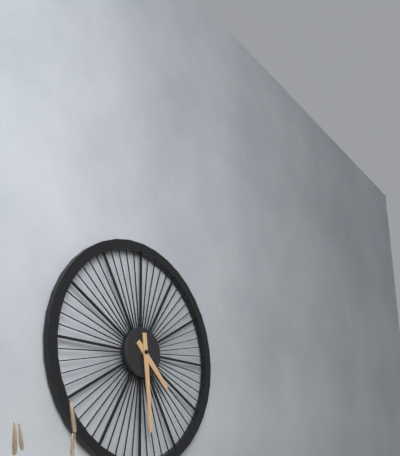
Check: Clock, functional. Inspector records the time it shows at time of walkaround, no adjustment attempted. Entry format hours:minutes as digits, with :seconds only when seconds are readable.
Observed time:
4:29
